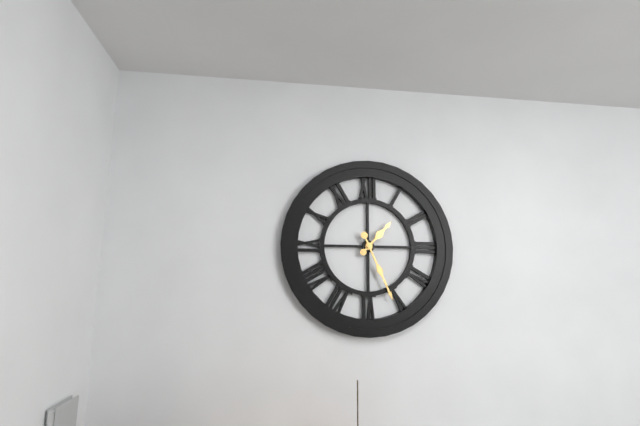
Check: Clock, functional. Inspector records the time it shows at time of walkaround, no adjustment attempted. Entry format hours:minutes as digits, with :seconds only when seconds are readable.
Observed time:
1:26
